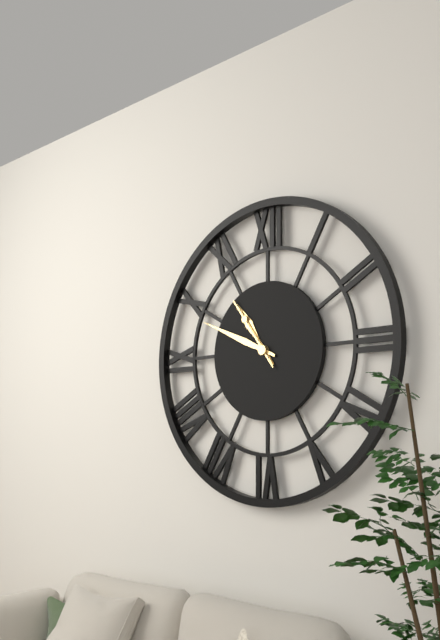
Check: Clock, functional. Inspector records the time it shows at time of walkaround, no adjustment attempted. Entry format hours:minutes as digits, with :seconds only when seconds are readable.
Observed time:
10:49:54
